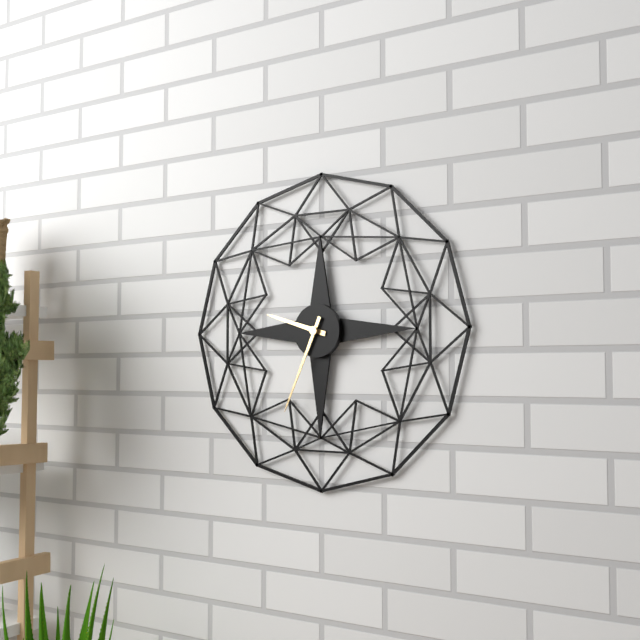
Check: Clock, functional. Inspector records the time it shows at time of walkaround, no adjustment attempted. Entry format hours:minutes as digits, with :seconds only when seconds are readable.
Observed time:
9:34
